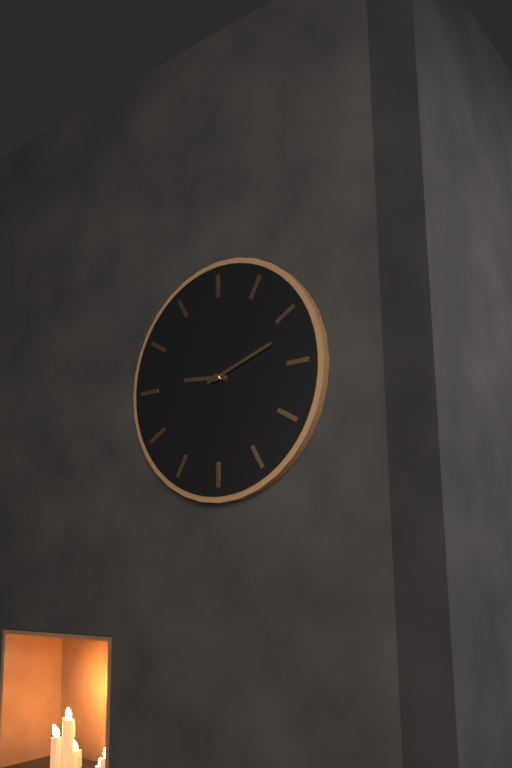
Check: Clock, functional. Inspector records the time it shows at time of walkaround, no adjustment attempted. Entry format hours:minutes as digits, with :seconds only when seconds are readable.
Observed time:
9:12
